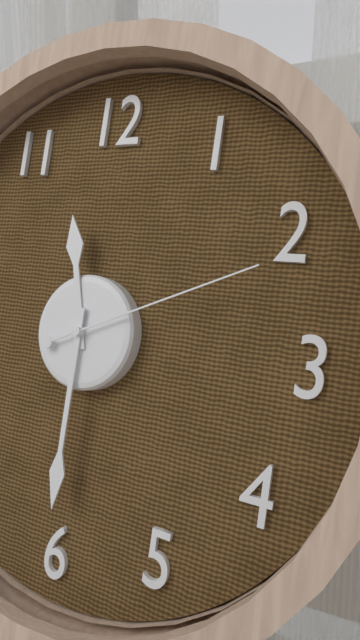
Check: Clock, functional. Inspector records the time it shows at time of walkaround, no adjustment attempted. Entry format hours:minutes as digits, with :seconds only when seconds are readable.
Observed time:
11:30:11
